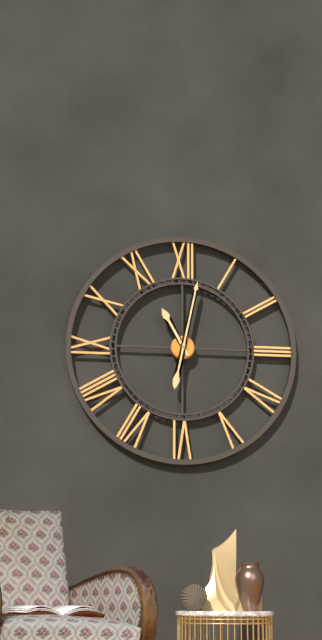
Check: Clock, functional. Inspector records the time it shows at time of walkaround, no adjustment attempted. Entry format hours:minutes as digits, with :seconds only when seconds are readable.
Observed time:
11:02
